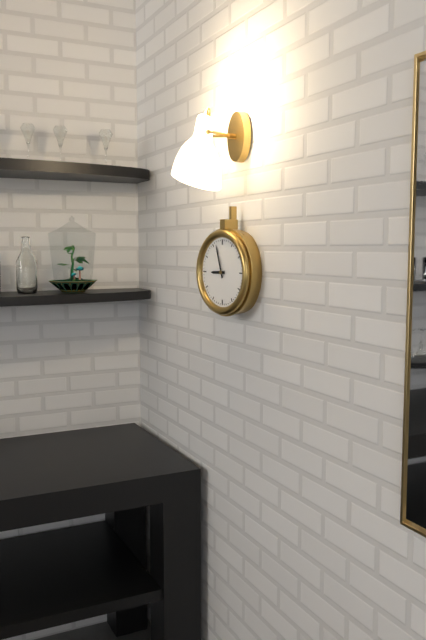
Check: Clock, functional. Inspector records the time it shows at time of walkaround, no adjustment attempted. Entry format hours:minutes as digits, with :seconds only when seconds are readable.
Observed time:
8:57
